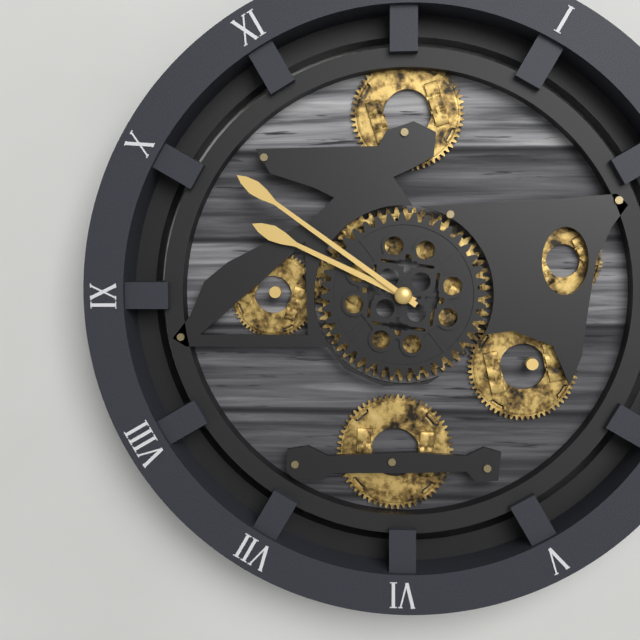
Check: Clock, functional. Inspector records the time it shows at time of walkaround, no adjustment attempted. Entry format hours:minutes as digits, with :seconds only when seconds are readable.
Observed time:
9:51
